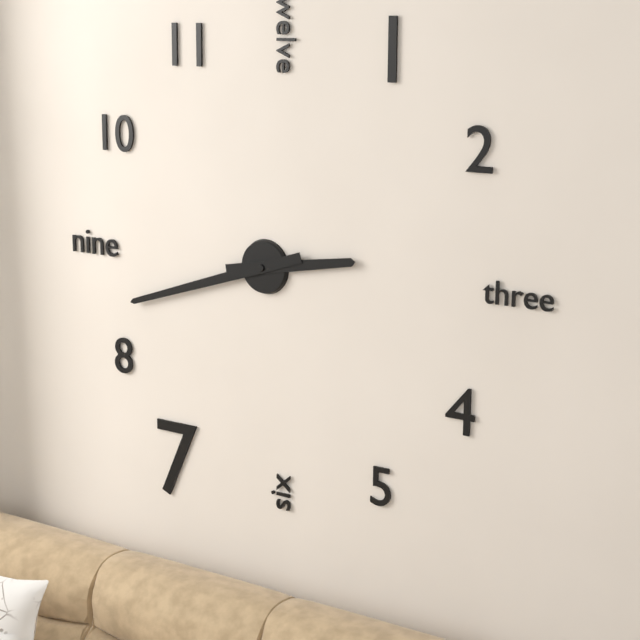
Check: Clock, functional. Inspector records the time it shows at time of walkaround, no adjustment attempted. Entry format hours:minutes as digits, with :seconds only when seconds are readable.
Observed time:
2:42
